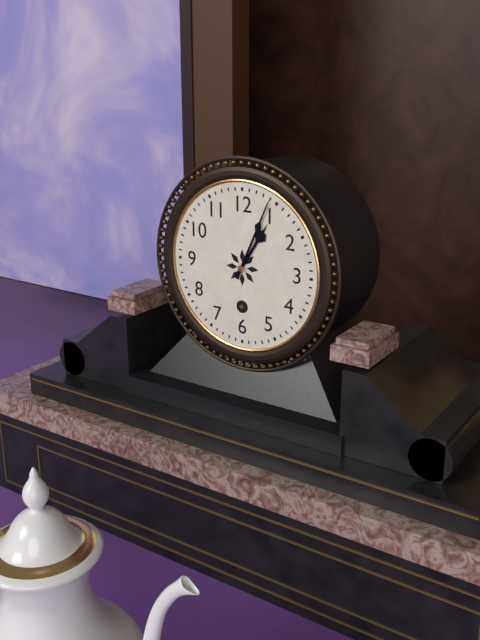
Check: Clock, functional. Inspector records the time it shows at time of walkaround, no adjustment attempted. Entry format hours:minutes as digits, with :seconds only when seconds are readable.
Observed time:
1:04
